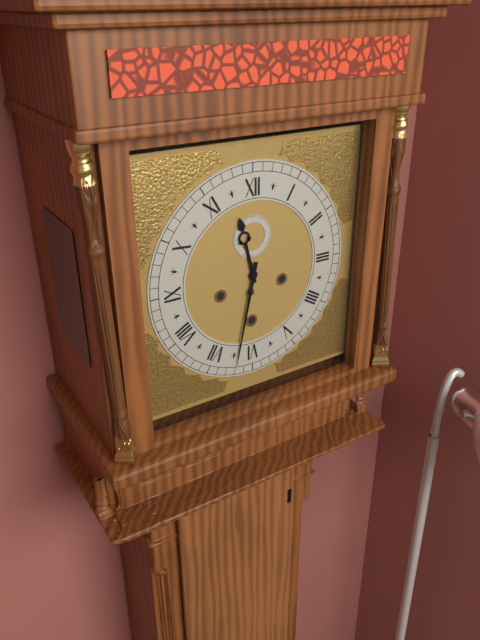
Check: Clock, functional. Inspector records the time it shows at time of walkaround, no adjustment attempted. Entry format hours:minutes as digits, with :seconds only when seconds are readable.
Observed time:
11:32
